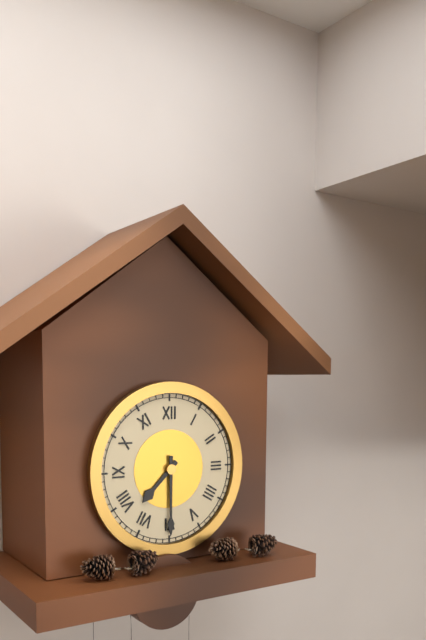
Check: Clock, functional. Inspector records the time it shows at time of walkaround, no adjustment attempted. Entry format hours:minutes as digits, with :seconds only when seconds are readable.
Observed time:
7:30
